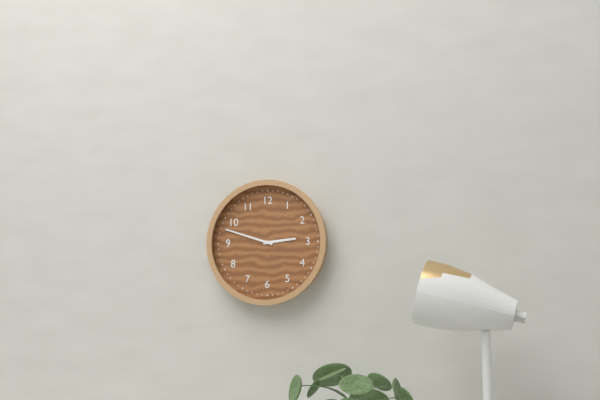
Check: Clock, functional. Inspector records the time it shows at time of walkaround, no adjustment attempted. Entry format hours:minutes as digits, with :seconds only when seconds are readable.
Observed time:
2:48
